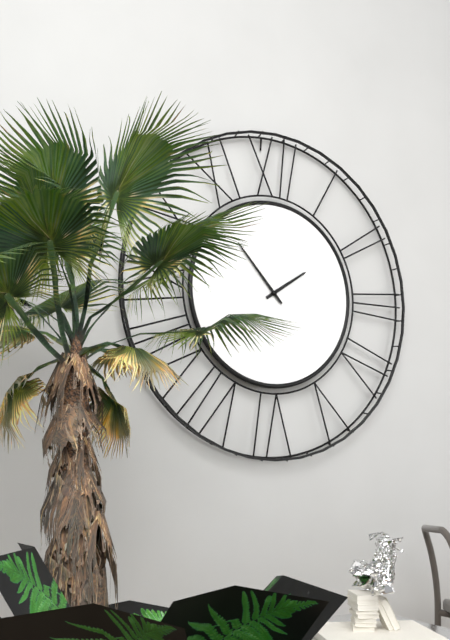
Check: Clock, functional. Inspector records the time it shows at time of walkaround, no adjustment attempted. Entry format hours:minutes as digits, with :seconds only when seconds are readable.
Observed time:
1:53
